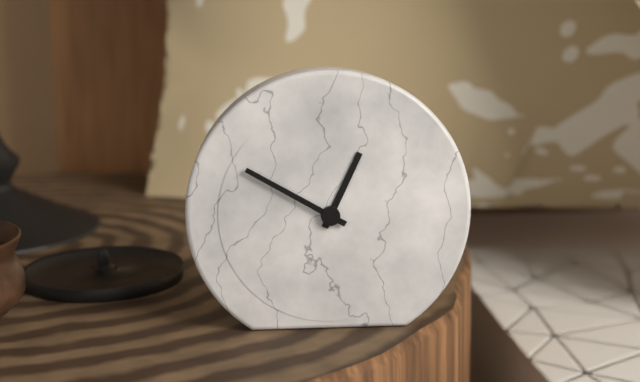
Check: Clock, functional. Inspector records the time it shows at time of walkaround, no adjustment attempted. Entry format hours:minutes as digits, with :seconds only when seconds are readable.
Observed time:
12:50
